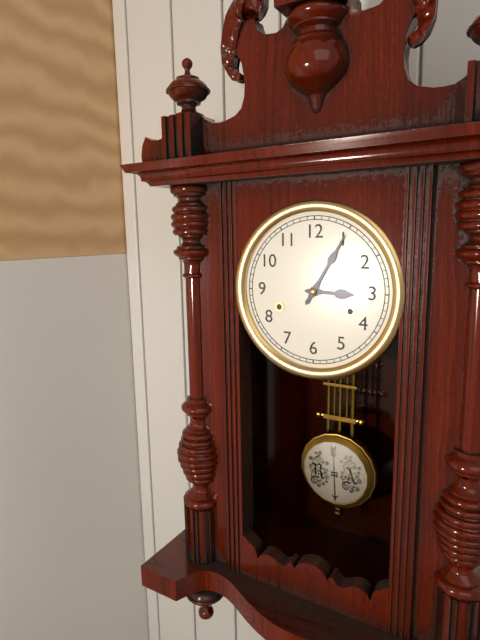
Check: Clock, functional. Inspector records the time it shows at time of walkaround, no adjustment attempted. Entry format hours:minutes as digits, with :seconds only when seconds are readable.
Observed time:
3:05
